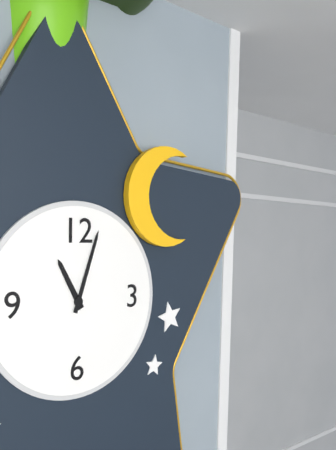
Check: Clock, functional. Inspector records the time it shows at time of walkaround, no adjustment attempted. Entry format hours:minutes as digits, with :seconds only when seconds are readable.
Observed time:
11:03
